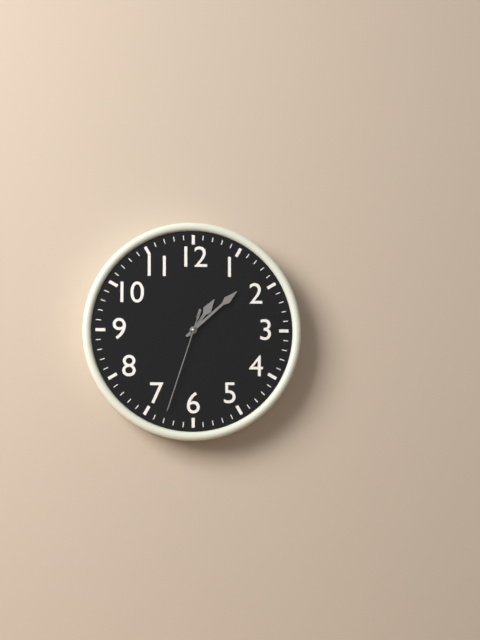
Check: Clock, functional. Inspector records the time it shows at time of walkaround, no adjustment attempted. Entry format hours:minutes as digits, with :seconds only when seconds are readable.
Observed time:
1:08:33
